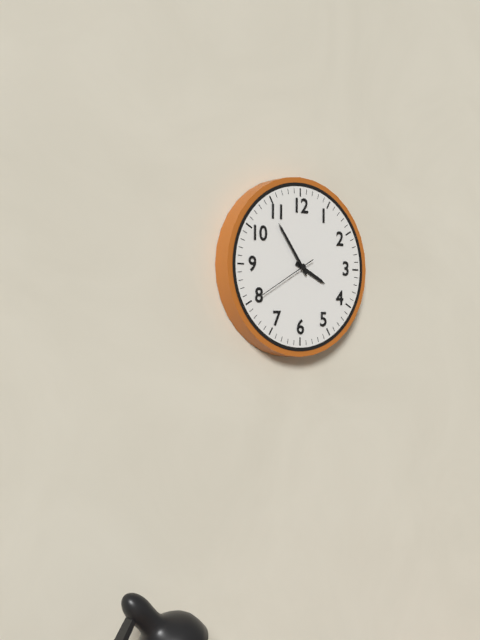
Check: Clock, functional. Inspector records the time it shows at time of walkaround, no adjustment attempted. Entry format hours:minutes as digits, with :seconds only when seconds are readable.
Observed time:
3:54:40
